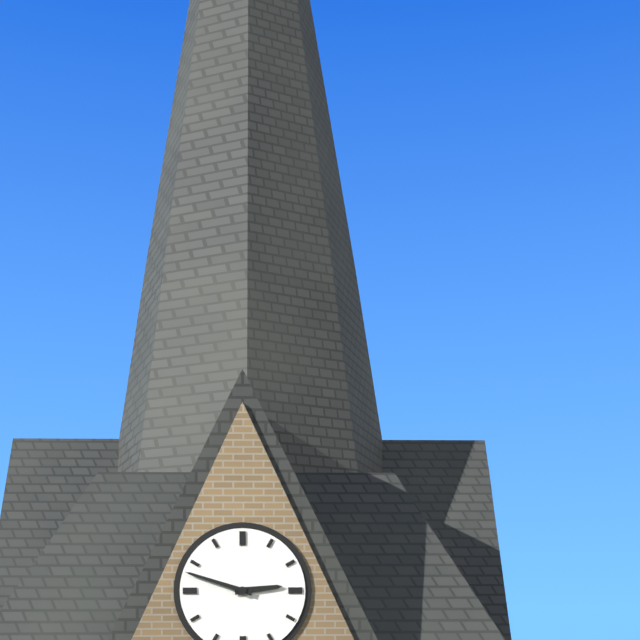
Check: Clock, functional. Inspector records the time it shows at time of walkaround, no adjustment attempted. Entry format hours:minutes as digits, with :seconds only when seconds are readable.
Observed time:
2:48
